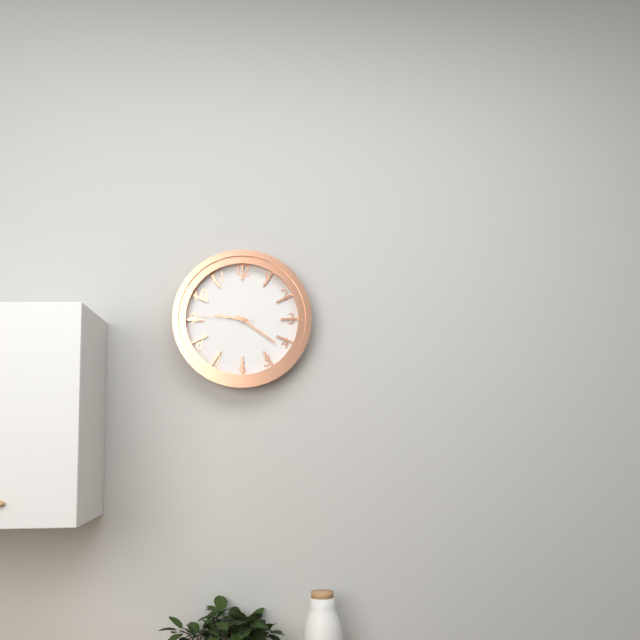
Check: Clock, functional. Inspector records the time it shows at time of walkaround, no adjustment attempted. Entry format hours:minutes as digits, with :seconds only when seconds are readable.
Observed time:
9:21:46
